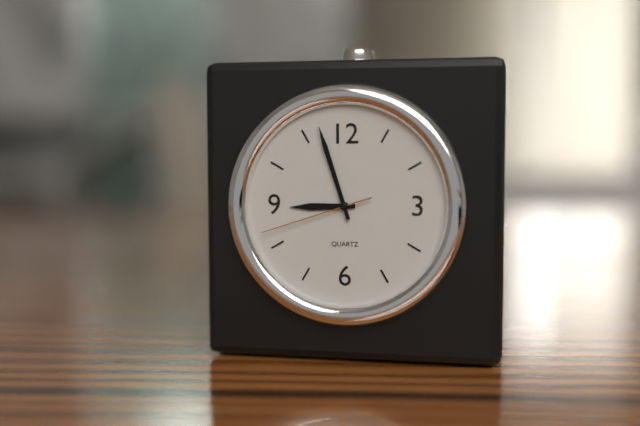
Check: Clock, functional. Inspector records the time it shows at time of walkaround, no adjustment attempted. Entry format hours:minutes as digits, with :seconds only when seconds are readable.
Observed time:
8:57:42
